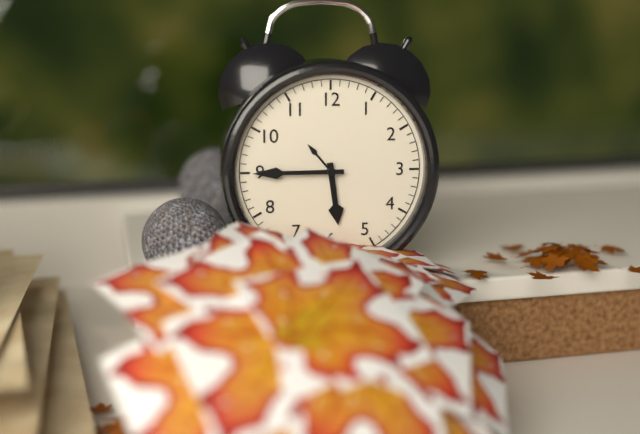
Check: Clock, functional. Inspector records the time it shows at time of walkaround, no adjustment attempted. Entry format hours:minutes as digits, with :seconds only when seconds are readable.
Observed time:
5:45
